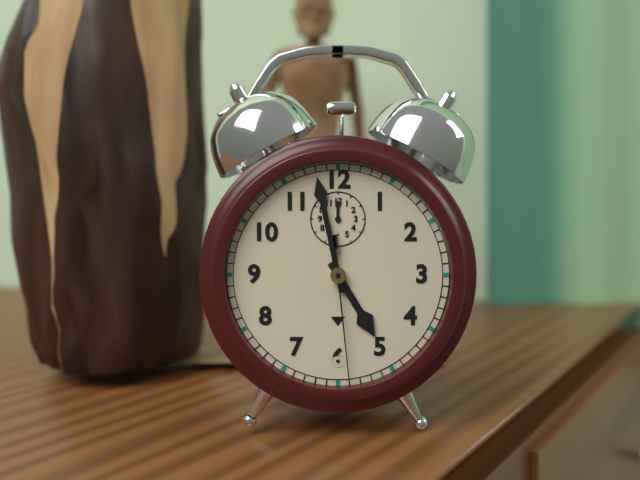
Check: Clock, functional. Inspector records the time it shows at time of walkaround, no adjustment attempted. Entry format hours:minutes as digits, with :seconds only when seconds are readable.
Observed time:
4:58:29
